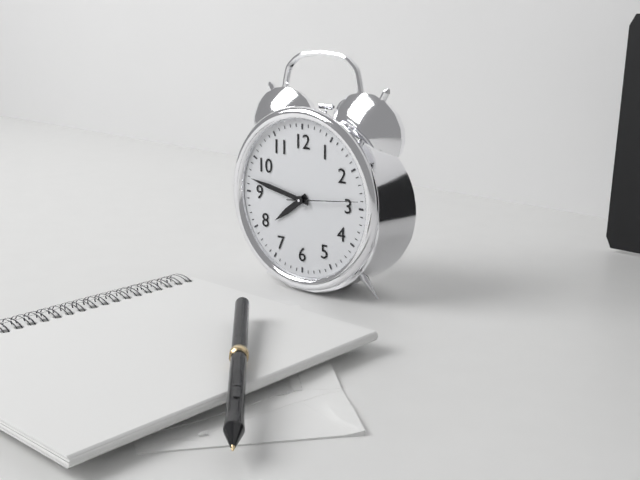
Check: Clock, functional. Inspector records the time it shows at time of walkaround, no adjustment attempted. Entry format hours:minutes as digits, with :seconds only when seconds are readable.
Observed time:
7:47:14
